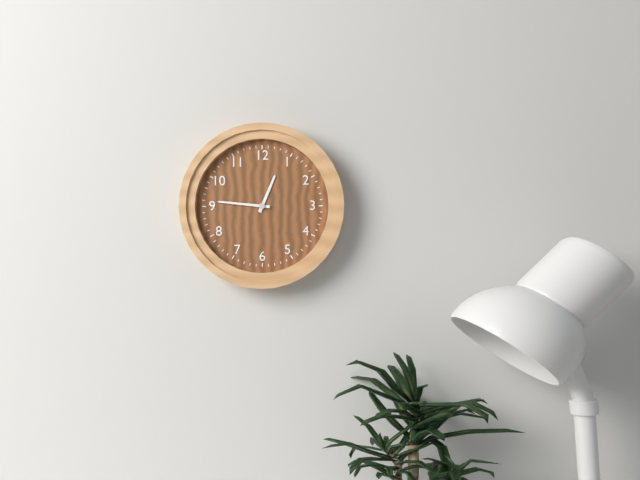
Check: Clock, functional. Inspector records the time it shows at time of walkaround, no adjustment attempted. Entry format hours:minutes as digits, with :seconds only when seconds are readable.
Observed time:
12:46
